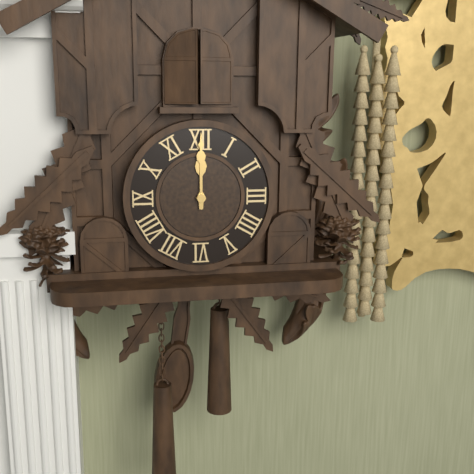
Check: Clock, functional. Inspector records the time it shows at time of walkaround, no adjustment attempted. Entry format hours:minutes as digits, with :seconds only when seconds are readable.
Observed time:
12:00
